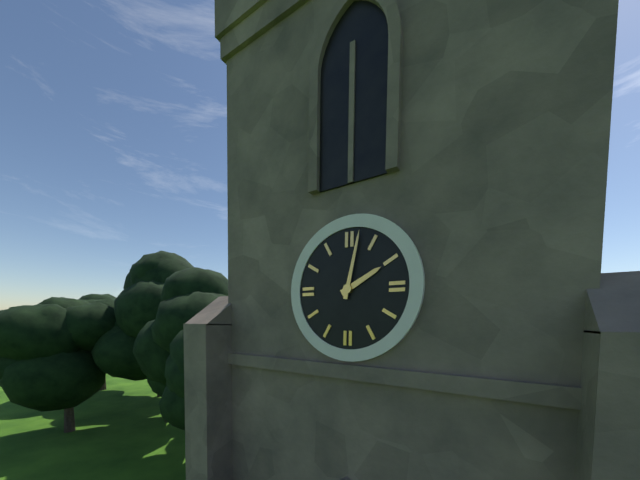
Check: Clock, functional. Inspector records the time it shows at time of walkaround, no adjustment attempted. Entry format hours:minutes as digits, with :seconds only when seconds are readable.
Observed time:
2:02
